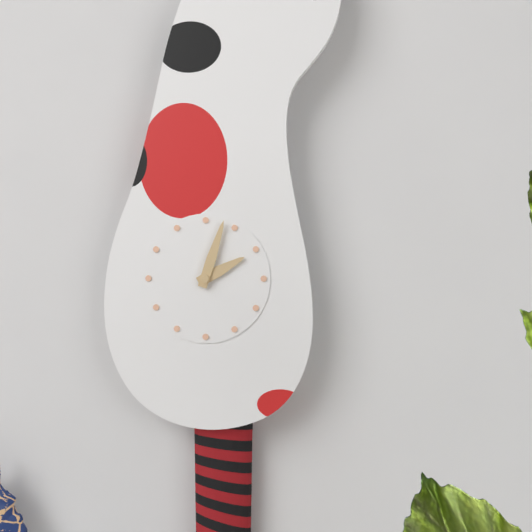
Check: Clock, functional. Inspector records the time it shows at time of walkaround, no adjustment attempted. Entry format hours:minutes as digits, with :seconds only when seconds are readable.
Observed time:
2:03
